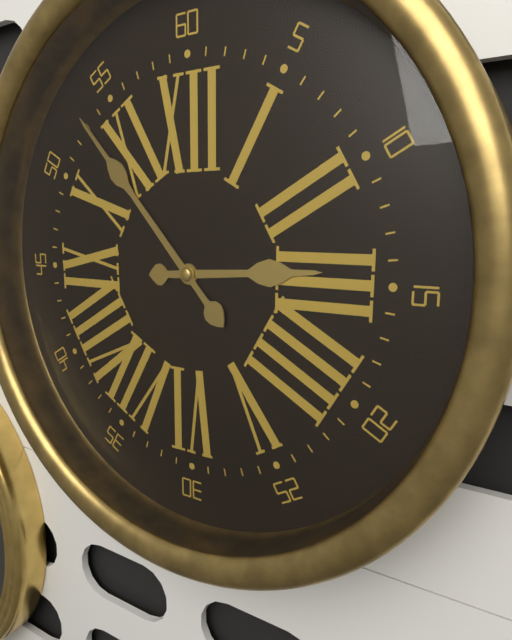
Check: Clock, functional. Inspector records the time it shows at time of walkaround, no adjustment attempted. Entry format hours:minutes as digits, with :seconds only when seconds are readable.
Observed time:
2:53
